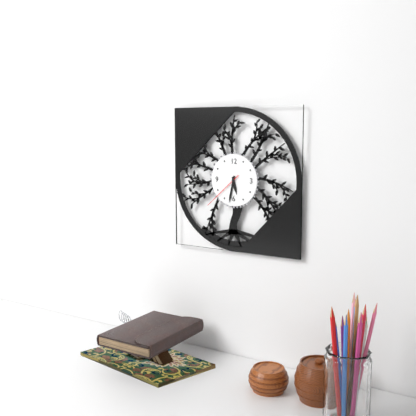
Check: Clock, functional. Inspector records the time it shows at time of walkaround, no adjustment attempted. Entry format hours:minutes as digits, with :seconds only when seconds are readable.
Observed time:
5:32
